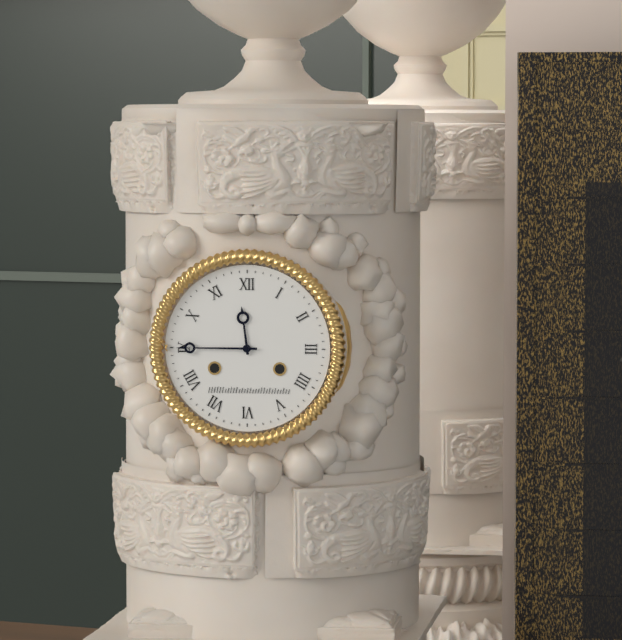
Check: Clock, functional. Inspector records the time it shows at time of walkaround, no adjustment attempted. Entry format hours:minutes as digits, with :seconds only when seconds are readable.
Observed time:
11:45
